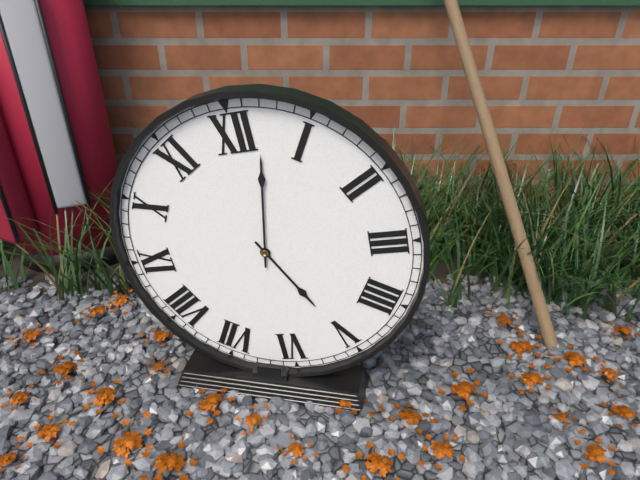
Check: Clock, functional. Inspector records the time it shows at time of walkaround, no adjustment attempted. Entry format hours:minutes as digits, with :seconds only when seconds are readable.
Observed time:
5:02
